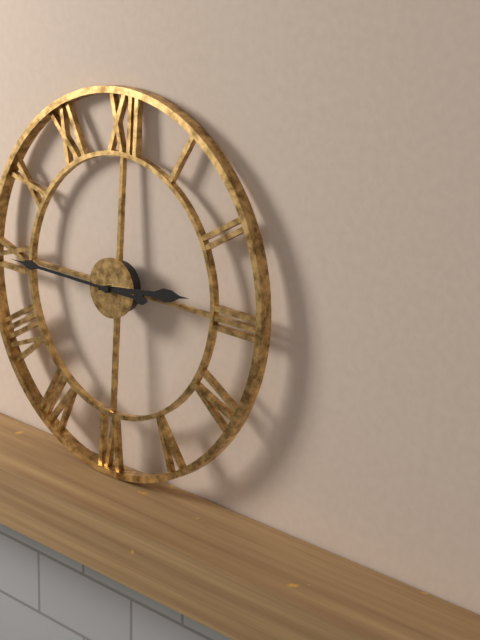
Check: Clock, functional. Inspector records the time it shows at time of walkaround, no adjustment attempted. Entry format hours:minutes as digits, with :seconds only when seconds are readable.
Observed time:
2:45
